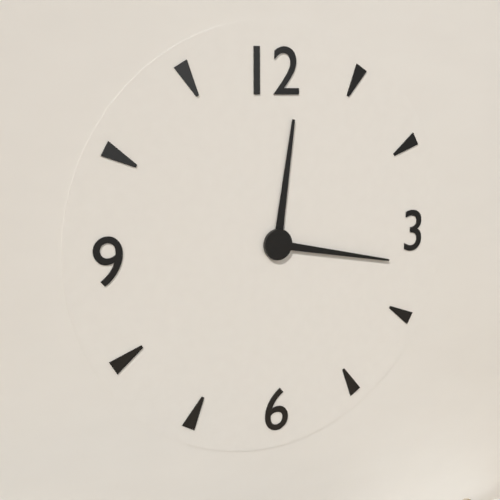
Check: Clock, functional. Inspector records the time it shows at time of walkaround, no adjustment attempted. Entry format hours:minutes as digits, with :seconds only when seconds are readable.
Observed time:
12:17
